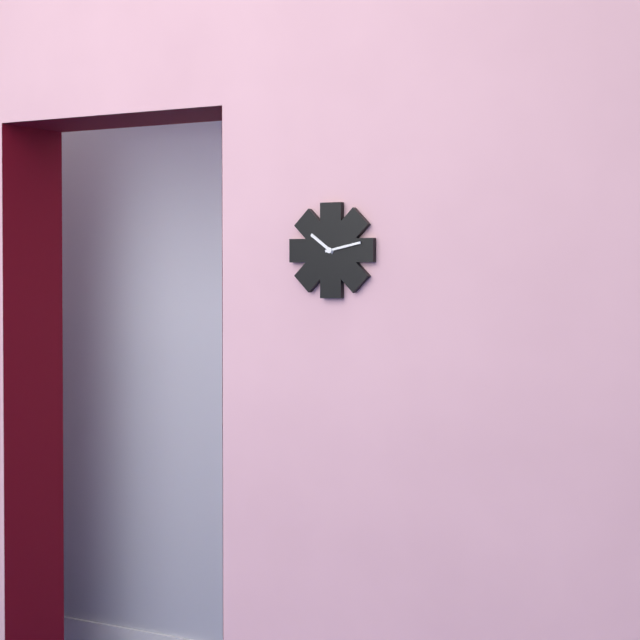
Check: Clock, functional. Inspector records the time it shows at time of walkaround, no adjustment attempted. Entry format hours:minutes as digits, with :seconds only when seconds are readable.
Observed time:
10:13
